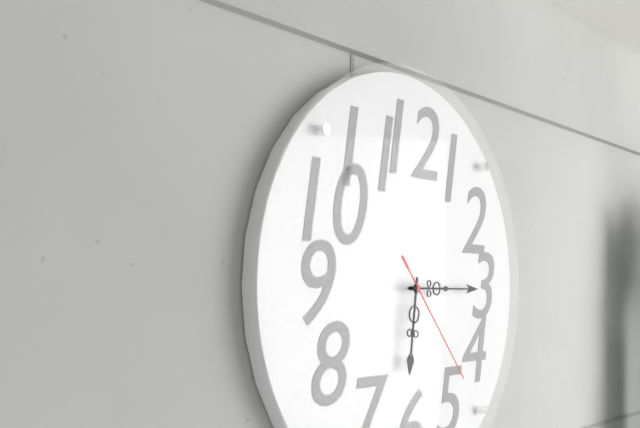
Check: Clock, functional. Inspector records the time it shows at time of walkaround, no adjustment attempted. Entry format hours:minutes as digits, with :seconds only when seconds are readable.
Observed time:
6:15:23
